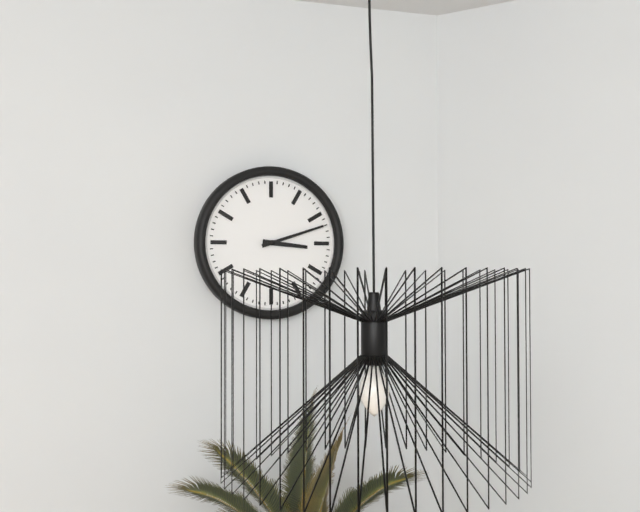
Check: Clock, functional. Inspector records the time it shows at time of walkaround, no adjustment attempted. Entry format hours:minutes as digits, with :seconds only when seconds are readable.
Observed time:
3:12
